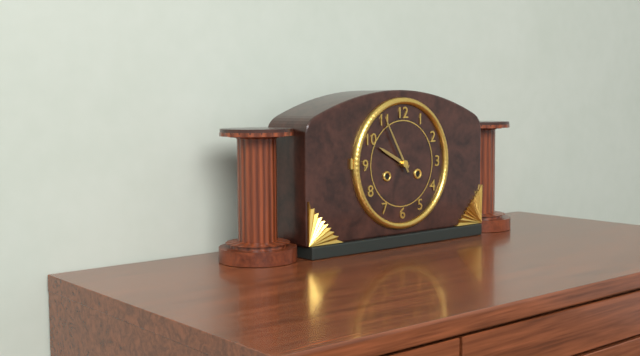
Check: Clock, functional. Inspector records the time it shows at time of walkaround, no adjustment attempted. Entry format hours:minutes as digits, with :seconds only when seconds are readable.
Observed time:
9:55
